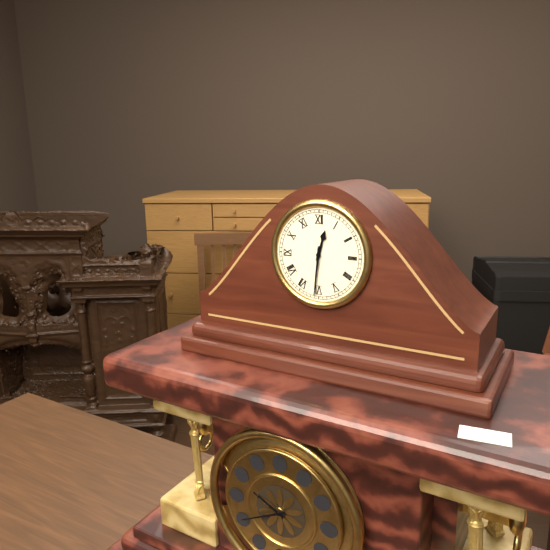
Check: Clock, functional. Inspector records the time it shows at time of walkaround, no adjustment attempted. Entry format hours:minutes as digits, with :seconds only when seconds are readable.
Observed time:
12:31
